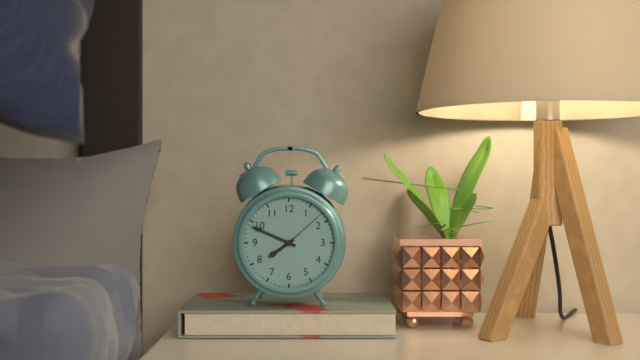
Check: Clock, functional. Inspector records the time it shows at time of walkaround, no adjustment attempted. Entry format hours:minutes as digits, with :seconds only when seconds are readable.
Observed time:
7:49:08
